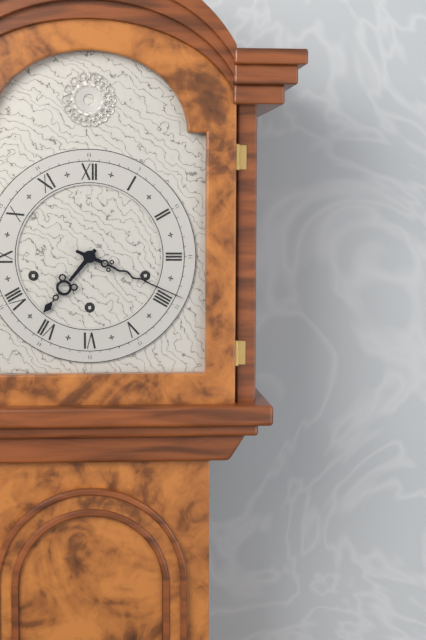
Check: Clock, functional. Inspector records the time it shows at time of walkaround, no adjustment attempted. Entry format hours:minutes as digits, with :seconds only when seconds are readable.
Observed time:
7:19
